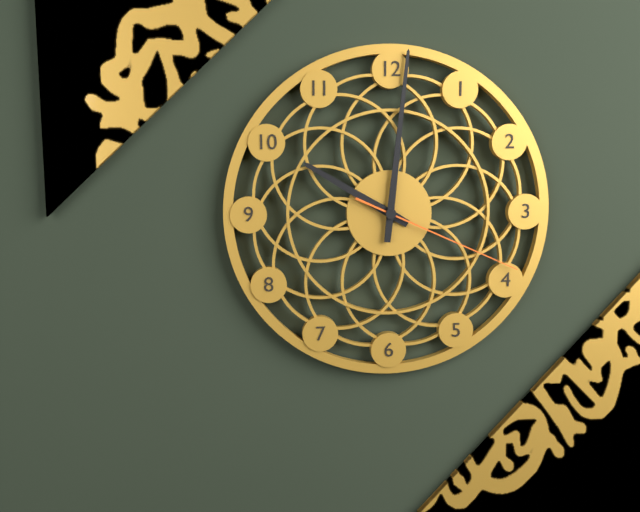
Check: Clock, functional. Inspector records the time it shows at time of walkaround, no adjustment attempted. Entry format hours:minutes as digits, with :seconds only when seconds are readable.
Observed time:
10:01:19
